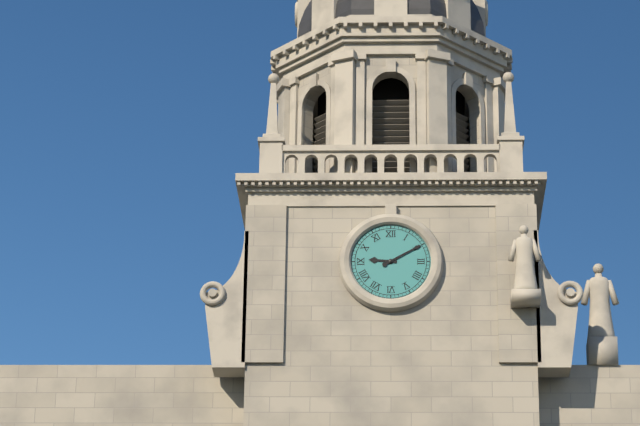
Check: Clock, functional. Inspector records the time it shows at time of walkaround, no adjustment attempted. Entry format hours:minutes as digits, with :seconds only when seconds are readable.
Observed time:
9:10
